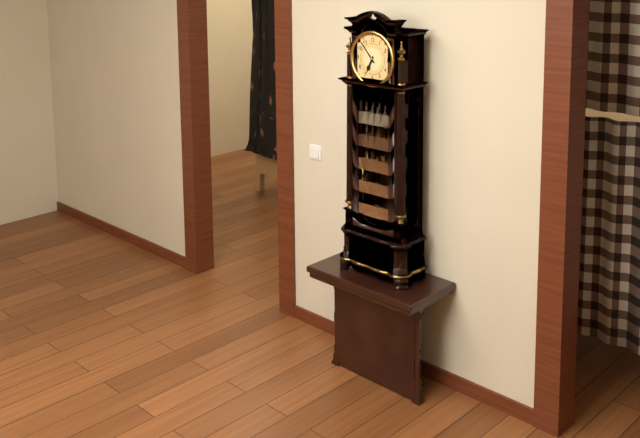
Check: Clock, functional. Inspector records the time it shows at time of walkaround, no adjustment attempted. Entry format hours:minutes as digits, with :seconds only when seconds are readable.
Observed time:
6:53
